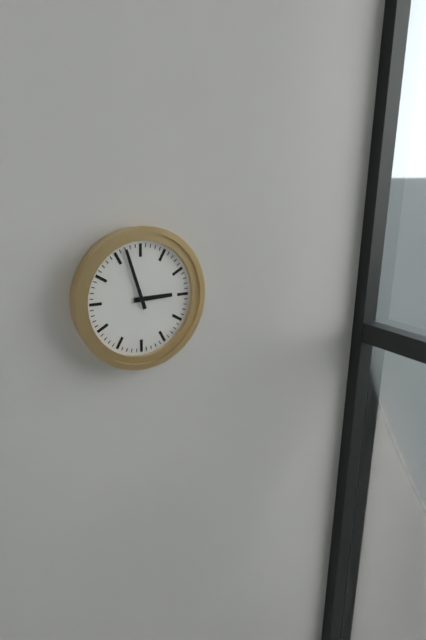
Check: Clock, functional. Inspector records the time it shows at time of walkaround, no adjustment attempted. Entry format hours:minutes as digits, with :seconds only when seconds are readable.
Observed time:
2:57
